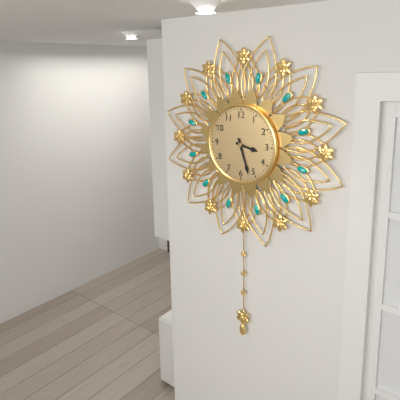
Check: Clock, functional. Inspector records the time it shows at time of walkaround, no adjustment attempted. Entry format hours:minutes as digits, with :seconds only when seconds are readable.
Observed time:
3:27
